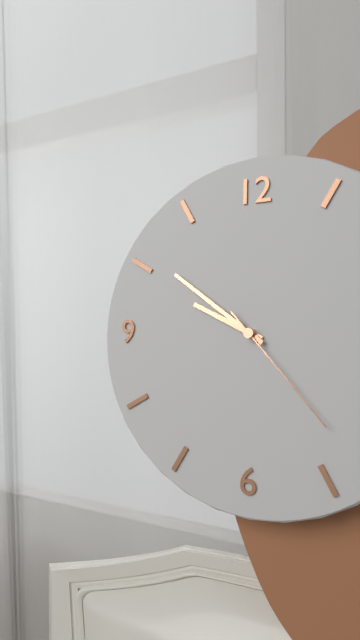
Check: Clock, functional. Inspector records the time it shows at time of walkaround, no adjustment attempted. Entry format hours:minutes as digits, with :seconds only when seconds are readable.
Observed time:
9:51:23
